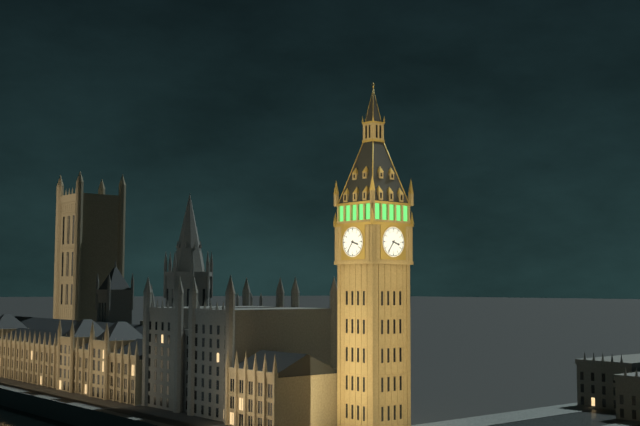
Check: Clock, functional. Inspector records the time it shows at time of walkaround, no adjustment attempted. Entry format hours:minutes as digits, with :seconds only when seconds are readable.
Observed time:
3:36
